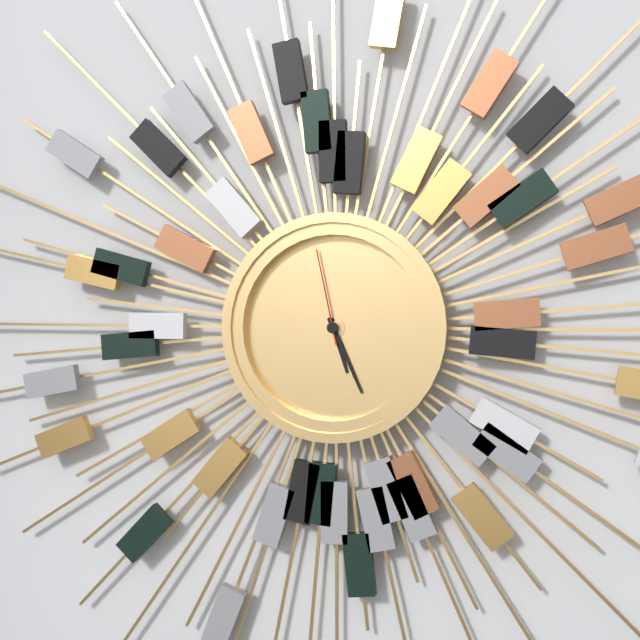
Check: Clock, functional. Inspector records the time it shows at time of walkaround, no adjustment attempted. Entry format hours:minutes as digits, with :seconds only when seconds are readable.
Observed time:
5:26:58
